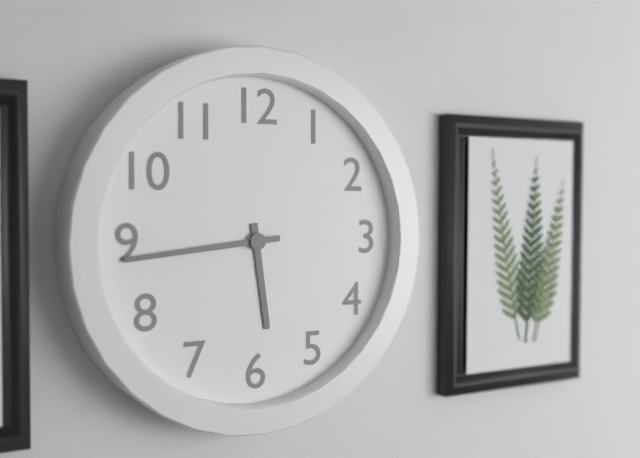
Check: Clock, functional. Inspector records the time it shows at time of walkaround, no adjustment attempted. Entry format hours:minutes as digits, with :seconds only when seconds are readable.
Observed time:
5:44
